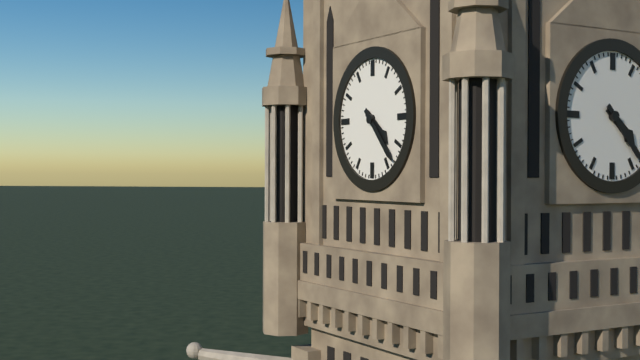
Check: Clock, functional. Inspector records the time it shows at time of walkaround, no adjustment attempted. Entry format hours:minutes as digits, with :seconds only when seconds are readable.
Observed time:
4:23
